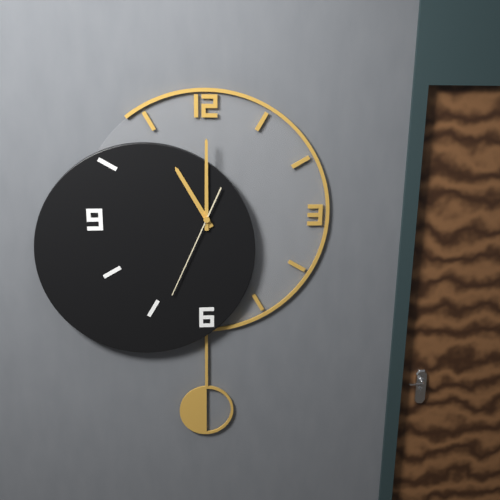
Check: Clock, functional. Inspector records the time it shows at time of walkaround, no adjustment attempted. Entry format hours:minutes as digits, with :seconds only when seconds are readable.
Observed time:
11:00:34
